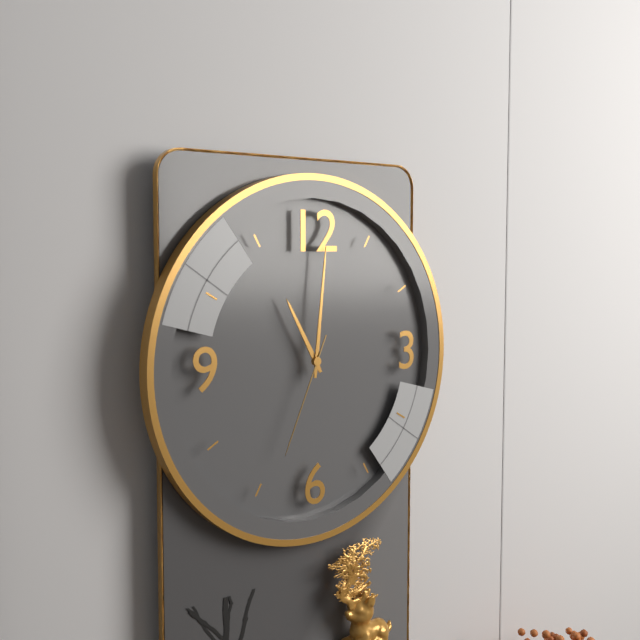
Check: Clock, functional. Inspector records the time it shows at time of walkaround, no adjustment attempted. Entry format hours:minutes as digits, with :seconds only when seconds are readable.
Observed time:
11:01:34
